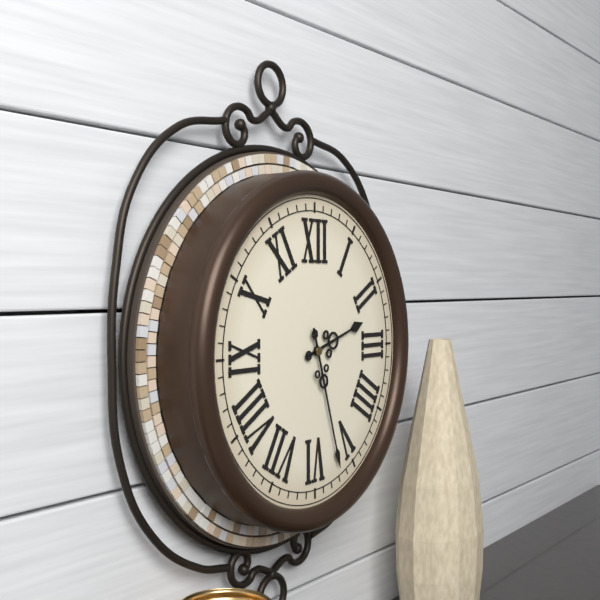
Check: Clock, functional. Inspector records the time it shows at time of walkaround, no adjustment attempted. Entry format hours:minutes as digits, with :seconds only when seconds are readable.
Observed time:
2:27
